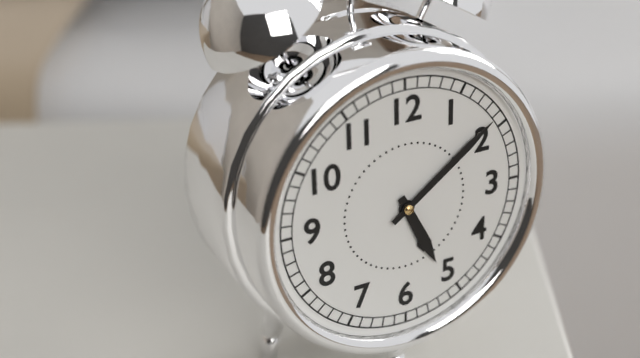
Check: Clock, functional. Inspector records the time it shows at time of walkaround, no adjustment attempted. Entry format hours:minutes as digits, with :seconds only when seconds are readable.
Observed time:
5:09
